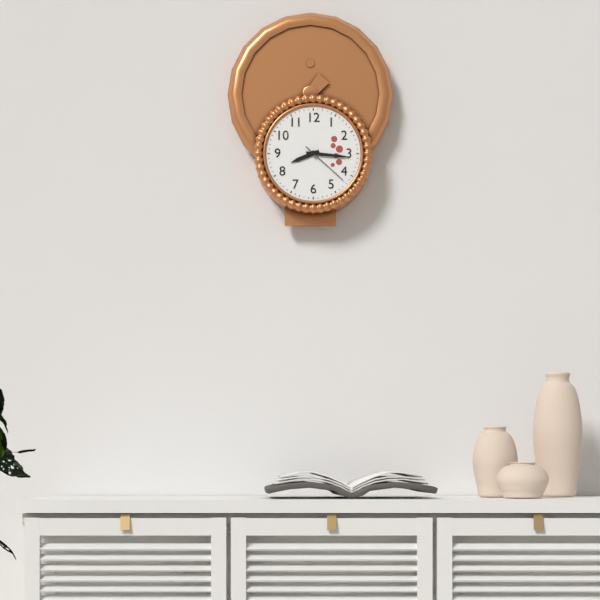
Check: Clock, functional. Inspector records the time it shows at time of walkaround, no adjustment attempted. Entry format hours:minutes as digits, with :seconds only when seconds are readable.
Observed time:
8:16
